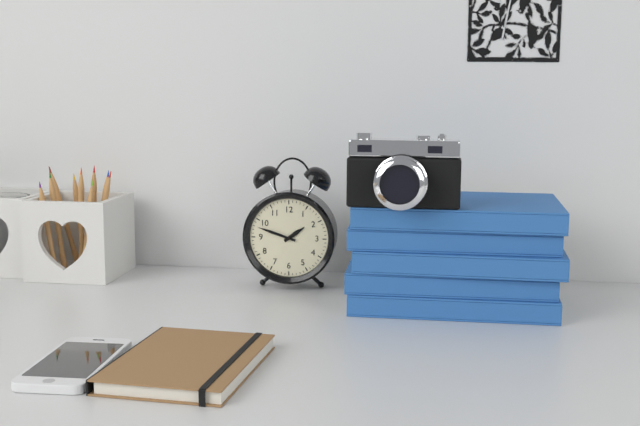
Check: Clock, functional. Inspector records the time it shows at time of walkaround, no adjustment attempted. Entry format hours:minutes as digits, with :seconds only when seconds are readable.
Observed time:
1:48
